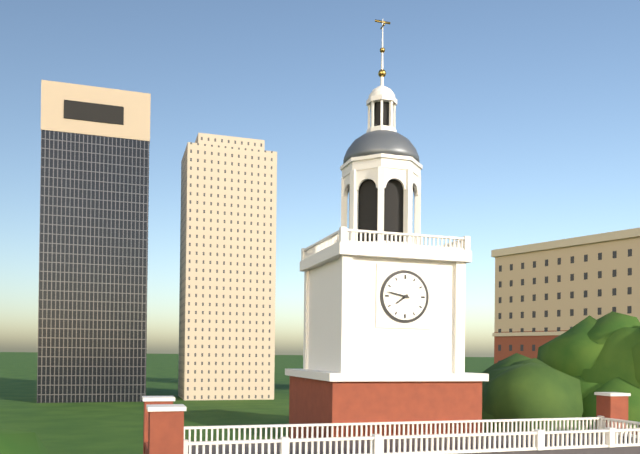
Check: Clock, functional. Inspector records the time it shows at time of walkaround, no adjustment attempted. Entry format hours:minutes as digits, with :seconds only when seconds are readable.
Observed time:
7:47
